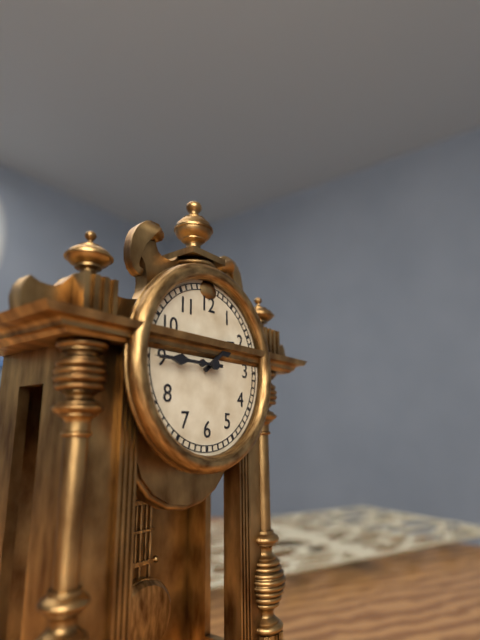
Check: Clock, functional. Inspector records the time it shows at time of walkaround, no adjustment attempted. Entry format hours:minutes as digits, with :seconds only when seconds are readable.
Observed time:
1:45
